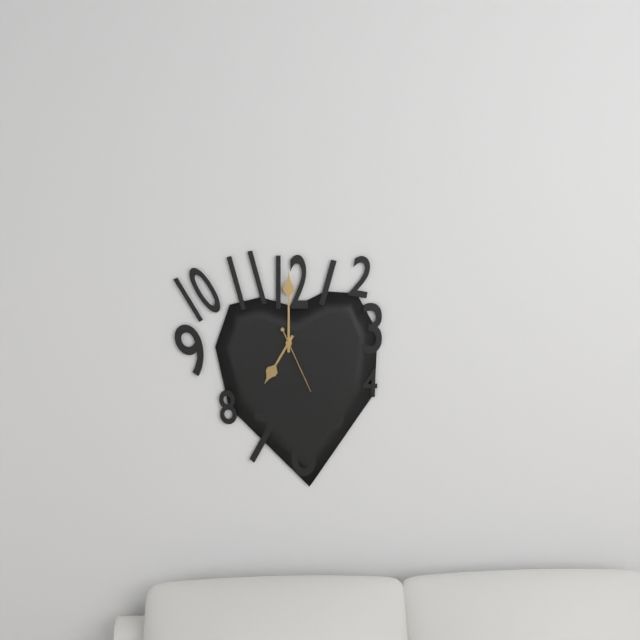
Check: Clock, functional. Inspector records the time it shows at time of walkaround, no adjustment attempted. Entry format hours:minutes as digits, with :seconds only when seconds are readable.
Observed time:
7:00:26
